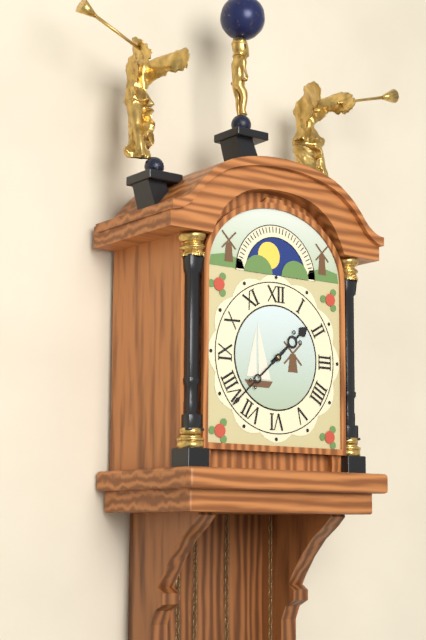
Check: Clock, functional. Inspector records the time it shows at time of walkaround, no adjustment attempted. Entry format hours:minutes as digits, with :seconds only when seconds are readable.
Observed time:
1:38
